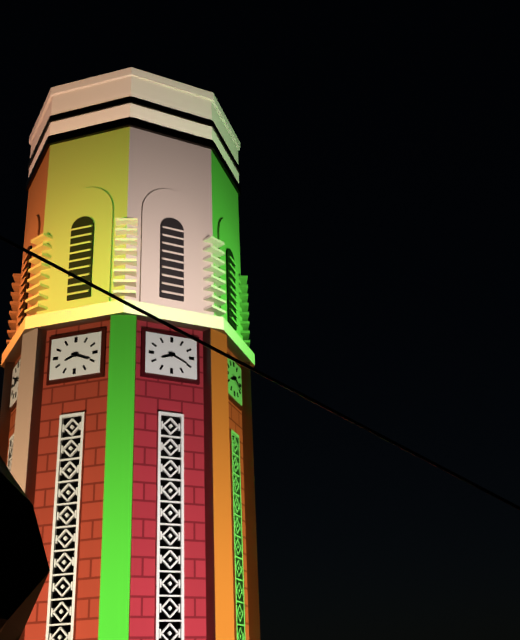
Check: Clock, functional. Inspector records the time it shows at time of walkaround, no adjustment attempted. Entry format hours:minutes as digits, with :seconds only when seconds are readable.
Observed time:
8:19
